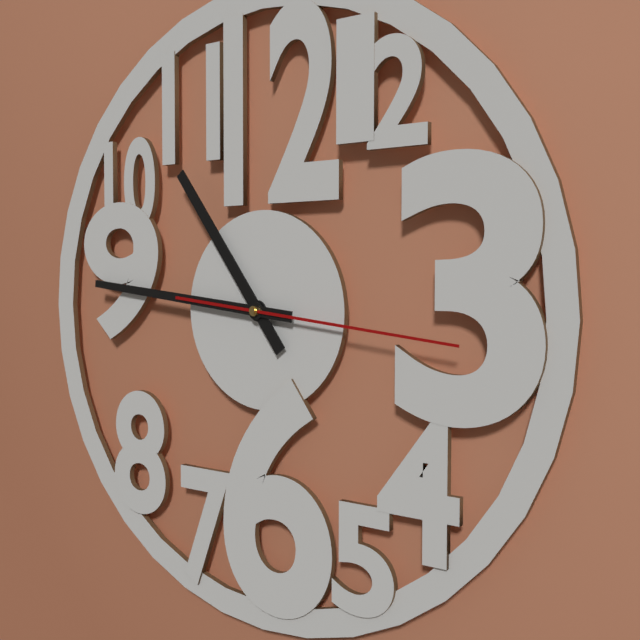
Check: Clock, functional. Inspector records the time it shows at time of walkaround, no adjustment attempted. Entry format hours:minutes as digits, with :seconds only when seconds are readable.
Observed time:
10:46:16
